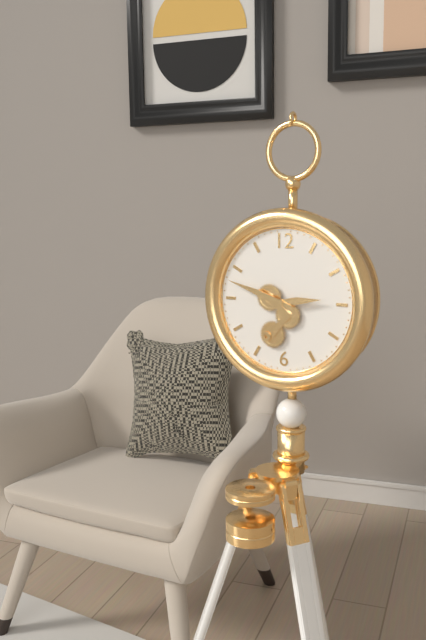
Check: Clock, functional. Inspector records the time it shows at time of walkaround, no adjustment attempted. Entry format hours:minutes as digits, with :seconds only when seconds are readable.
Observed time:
2:48
